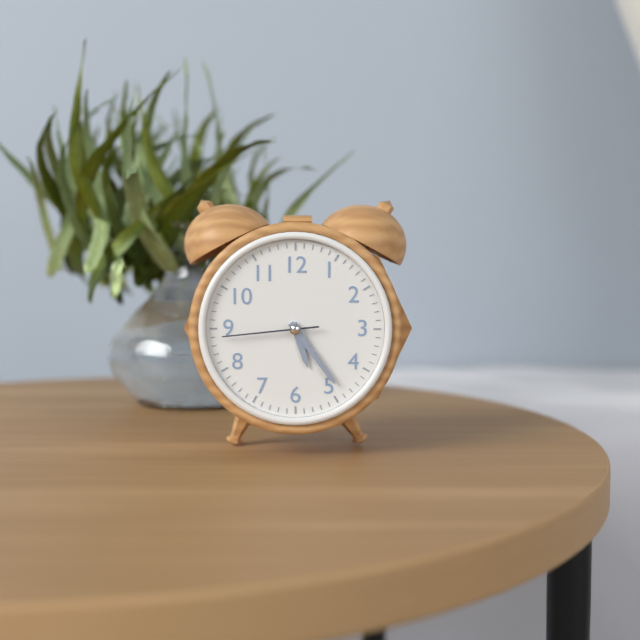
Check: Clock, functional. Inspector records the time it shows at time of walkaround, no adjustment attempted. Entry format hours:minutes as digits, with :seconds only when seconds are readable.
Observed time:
5:24:44
